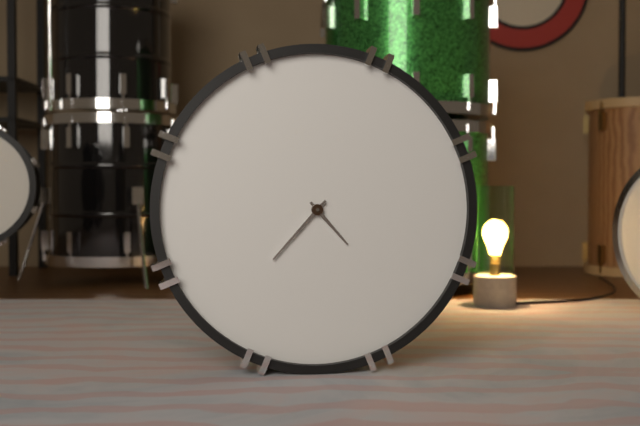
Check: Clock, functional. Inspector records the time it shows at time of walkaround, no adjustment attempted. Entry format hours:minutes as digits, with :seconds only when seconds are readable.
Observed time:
4:37
